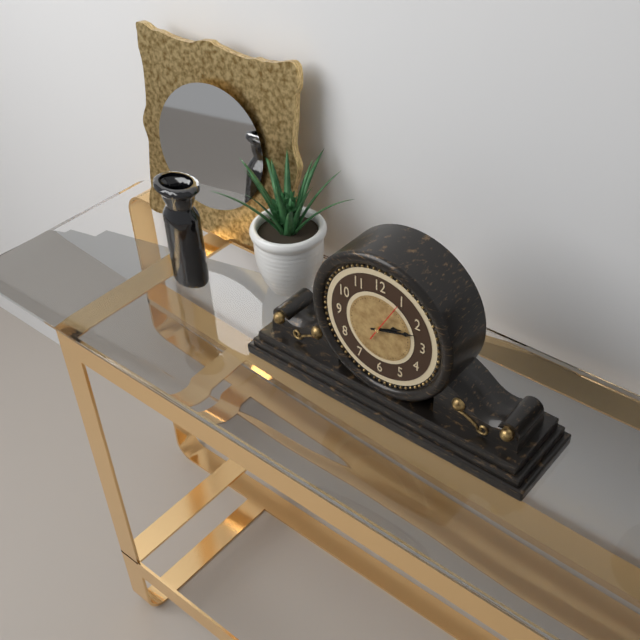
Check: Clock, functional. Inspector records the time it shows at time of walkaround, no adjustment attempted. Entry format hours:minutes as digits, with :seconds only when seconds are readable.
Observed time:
2:12
